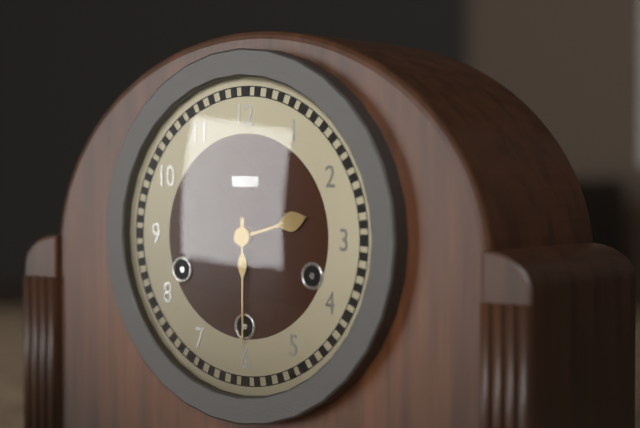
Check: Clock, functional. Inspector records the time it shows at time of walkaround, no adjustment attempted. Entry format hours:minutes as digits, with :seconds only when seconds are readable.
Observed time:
2:30
